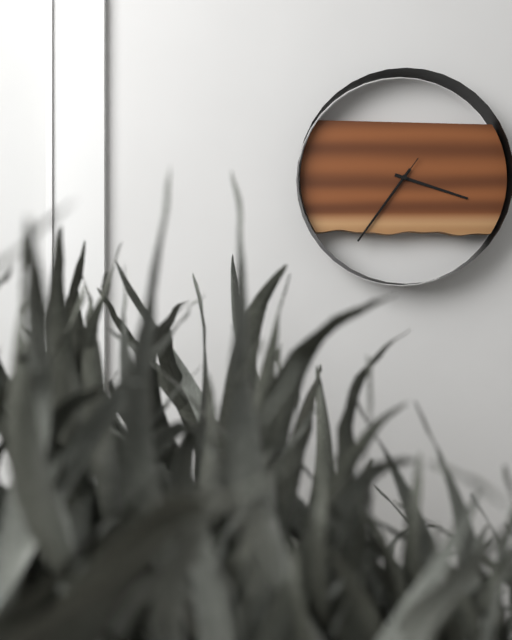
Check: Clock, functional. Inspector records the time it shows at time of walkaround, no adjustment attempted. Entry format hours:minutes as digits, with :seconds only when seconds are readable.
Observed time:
3:36:36
